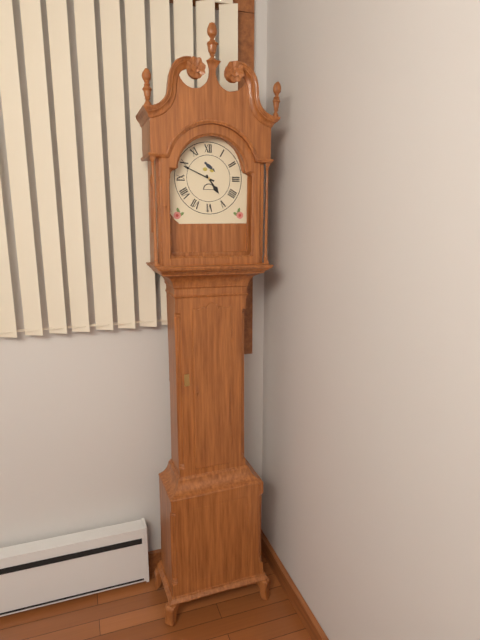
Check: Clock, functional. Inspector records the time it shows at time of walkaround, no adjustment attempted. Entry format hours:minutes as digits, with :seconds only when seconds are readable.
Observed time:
4:49
